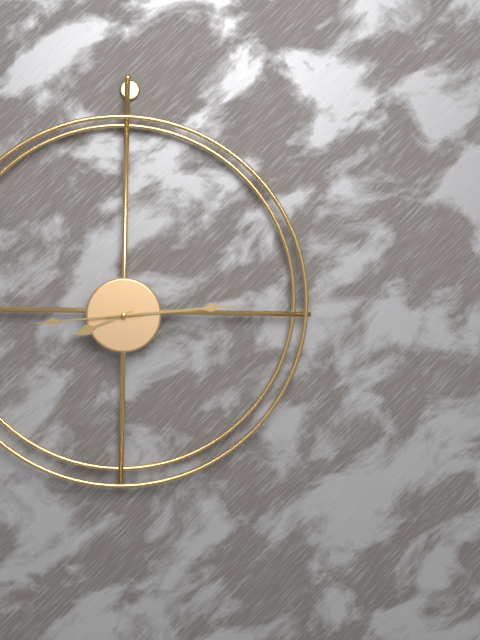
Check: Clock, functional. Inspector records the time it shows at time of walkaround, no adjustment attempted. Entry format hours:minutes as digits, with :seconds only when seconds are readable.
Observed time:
8:14:44
